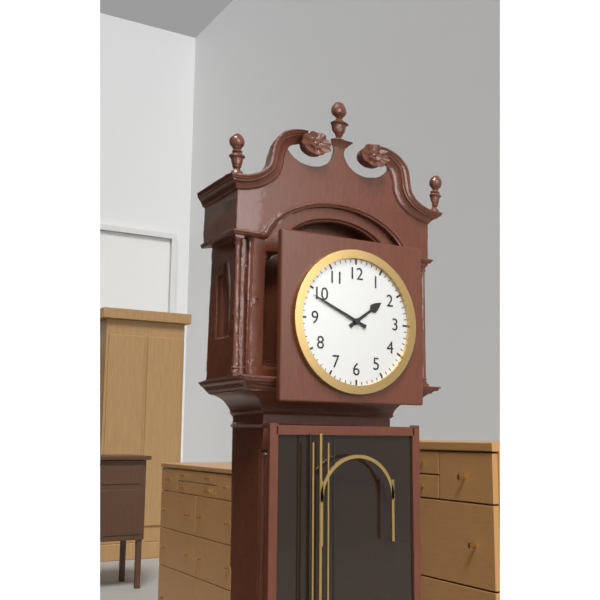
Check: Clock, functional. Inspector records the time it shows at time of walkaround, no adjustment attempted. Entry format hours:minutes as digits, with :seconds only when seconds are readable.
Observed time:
1:49
